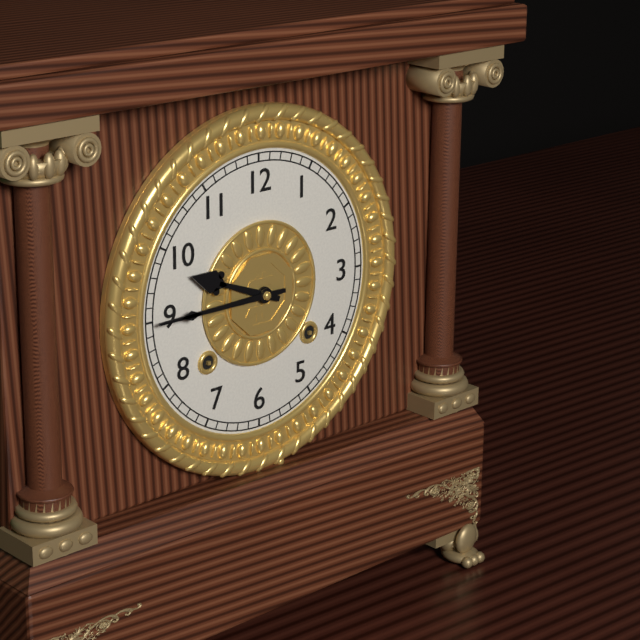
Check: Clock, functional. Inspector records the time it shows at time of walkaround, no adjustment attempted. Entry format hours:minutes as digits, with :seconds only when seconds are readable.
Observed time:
9:45
